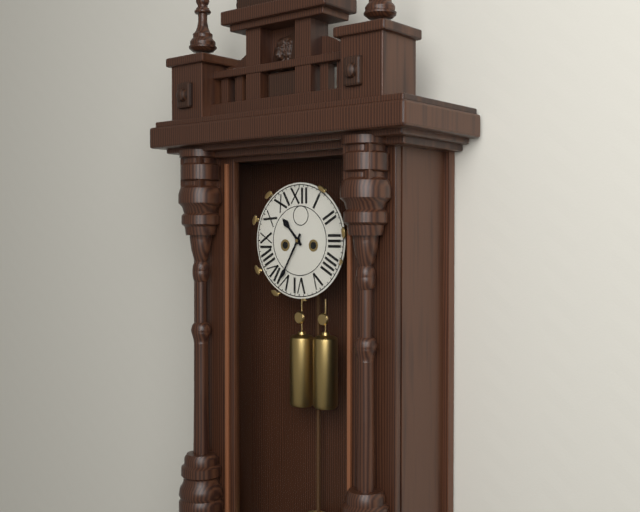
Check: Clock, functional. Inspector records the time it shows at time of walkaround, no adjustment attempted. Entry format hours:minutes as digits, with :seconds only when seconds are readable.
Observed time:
10:35
